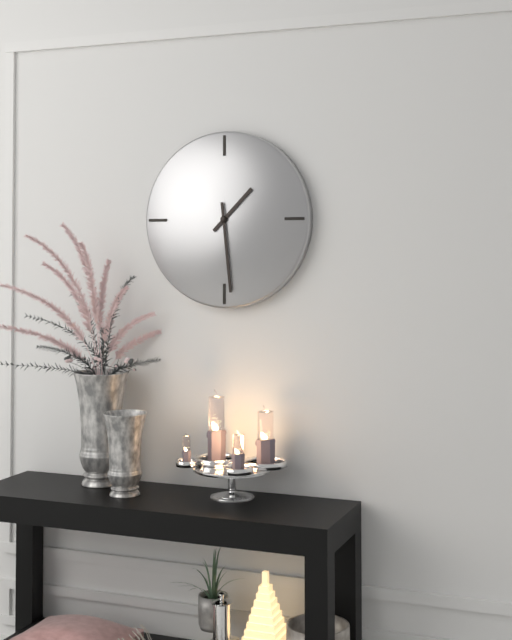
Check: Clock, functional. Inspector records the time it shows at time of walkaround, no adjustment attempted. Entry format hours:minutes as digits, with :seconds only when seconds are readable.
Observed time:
1:29
